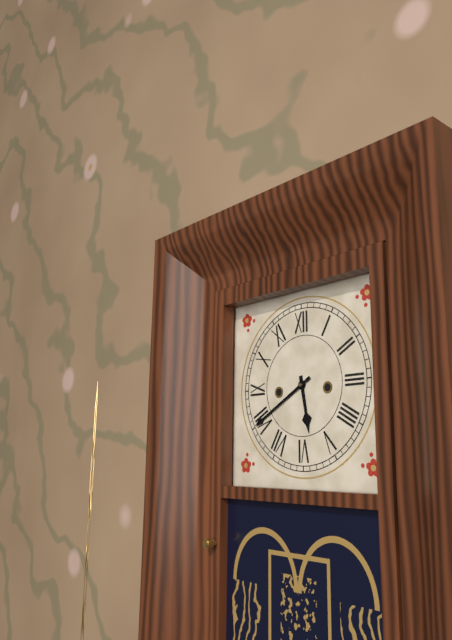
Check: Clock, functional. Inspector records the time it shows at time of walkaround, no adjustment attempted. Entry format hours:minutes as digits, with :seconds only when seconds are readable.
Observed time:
5:40
